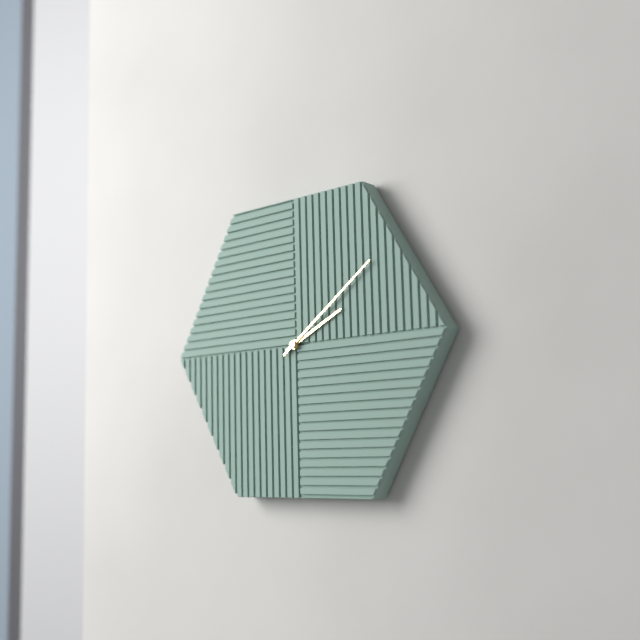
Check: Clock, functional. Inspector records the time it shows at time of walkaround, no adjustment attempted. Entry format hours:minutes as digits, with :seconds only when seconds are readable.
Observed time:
2:09
